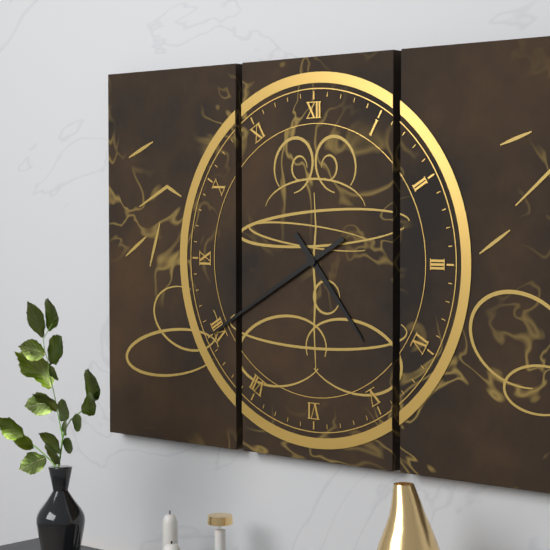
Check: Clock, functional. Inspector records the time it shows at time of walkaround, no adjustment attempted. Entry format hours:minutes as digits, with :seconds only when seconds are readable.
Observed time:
4:40
